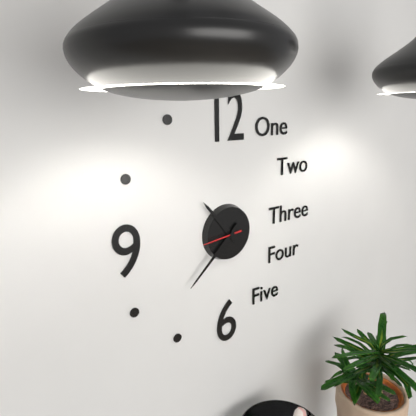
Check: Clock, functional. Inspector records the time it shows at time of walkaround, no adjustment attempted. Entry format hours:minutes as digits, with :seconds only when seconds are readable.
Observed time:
10:38
